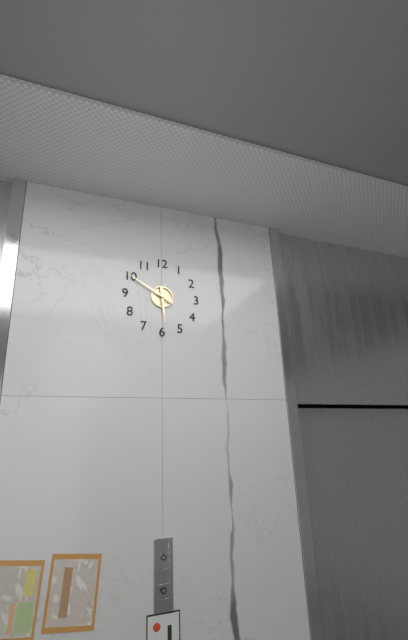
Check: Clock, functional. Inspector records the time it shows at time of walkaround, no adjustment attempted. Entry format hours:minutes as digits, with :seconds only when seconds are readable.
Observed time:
5:50
